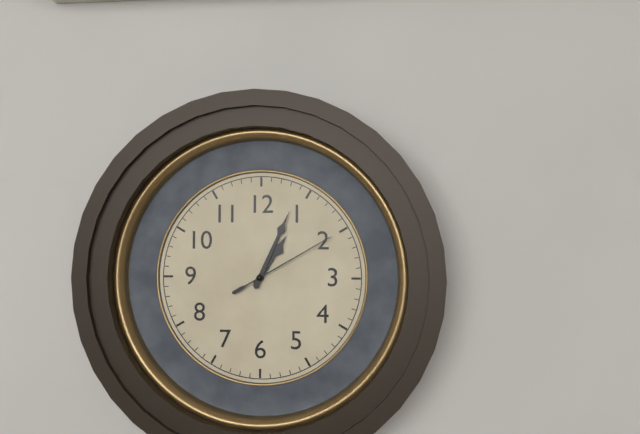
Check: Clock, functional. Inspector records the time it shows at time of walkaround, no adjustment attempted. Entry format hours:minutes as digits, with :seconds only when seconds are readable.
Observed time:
1:04:10
